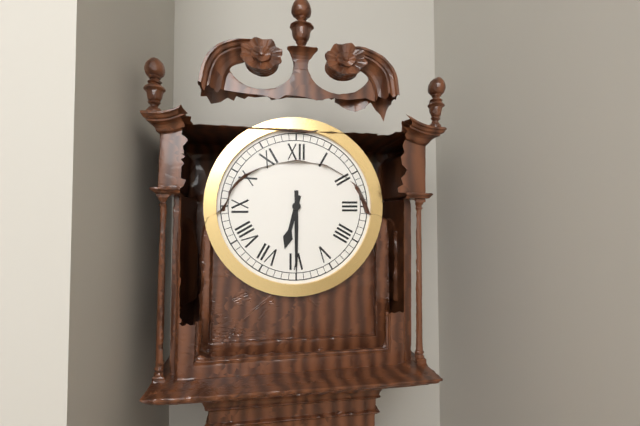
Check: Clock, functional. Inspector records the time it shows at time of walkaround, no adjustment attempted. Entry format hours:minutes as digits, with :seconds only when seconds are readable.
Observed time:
6:30
